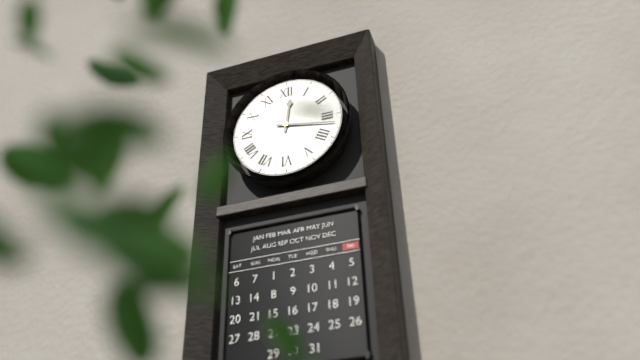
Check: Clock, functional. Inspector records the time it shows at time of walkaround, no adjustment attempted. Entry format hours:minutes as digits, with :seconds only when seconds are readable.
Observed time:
12:17
